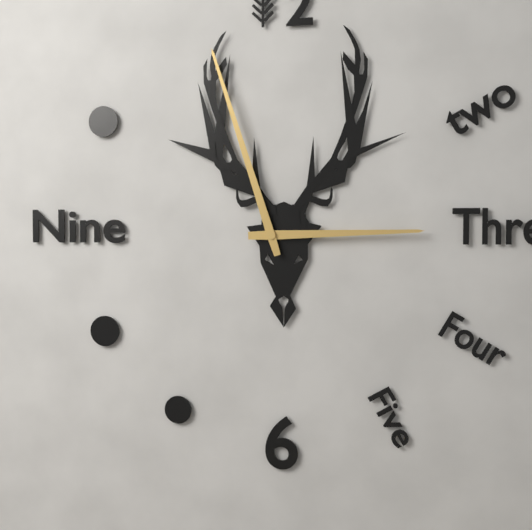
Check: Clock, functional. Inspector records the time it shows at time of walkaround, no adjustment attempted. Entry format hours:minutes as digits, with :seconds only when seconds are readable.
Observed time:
2:57
